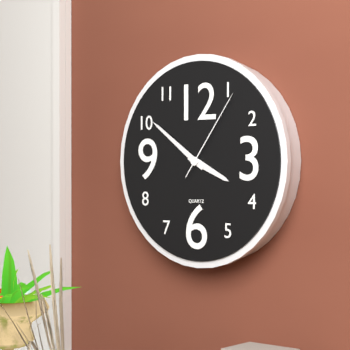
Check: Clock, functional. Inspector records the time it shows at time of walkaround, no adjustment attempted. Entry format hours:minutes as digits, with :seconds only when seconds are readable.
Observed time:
3:51:06
